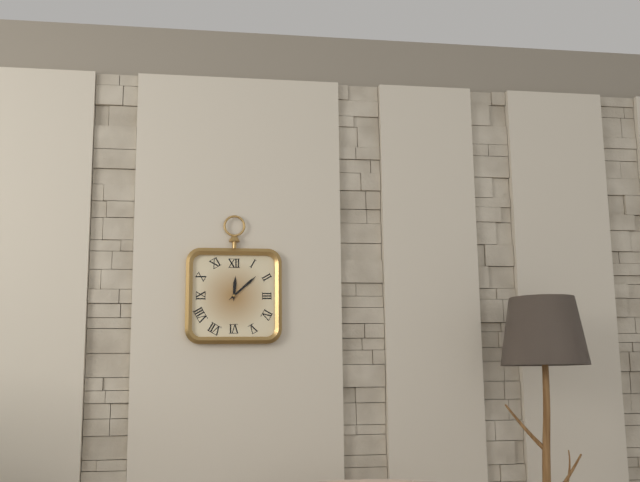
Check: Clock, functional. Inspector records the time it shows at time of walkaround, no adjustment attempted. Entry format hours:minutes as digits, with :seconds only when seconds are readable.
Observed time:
12:08
